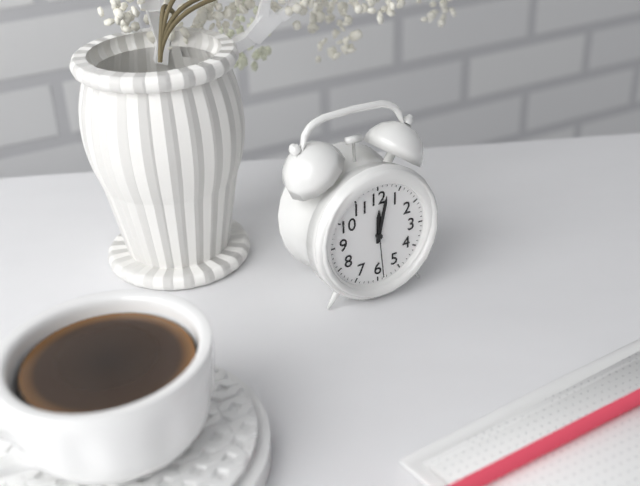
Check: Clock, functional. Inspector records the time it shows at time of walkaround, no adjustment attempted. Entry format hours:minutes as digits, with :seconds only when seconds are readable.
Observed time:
12:02:29
